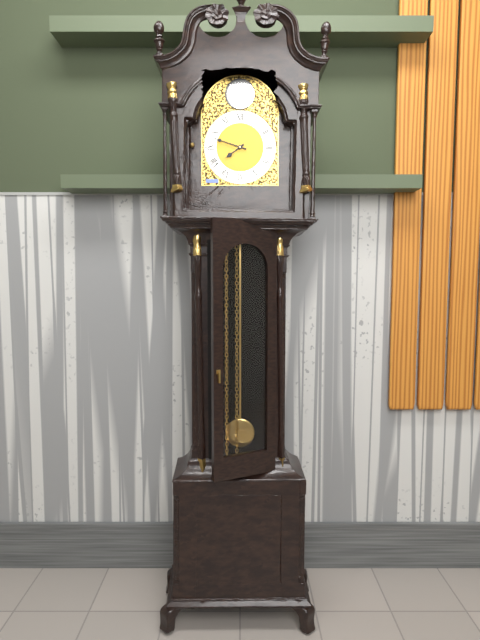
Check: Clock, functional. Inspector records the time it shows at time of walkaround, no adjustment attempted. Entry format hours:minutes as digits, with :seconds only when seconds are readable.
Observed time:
7:48
